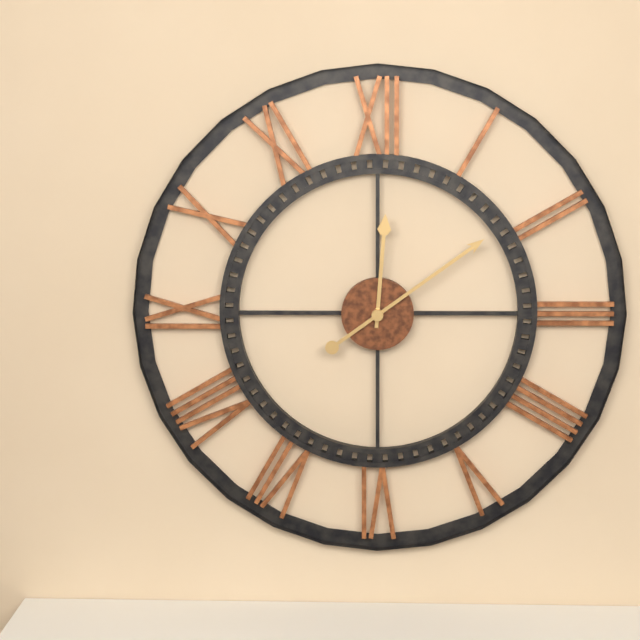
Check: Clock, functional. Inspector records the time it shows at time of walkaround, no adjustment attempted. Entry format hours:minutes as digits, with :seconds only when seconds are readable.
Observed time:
12:09
